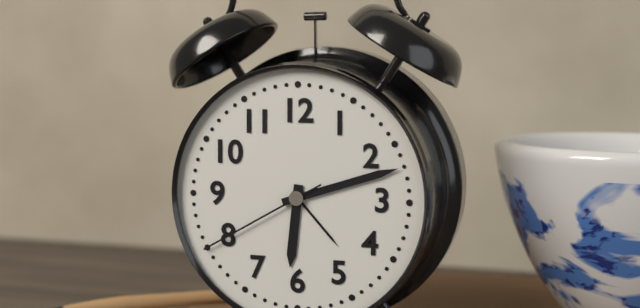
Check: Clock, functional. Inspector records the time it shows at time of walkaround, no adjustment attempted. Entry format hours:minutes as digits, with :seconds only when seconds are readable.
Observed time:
6:12:40
